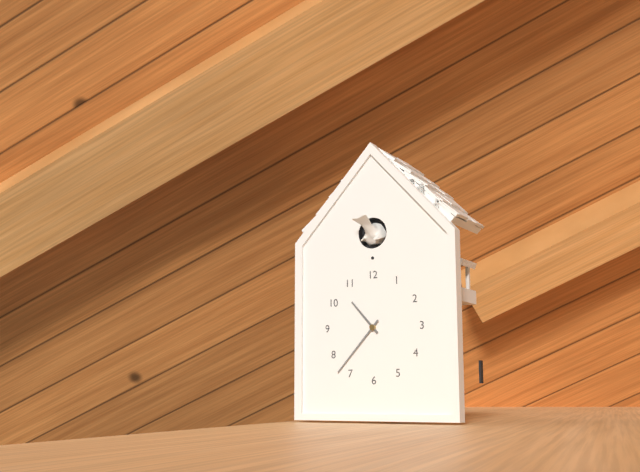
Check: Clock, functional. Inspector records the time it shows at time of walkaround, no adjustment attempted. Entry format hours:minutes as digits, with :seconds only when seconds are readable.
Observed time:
10:37
